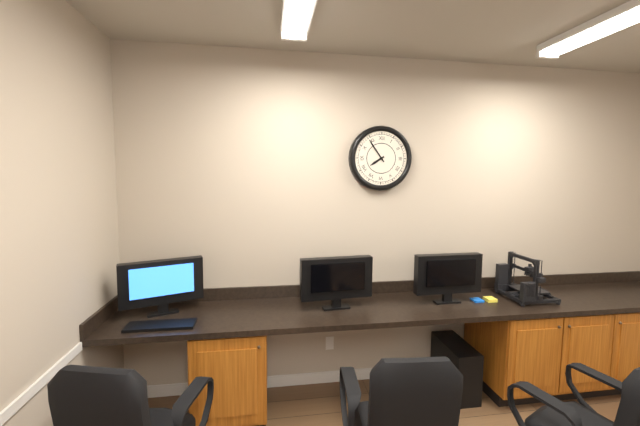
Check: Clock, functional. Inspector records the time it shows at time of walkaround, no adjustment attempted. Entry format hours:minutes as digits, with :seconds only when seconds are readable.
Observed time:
7:54
